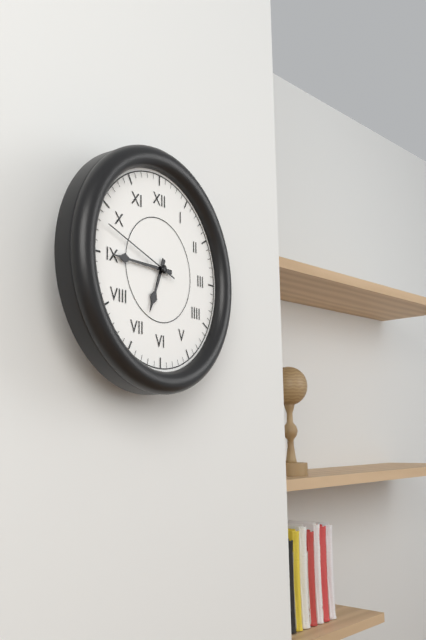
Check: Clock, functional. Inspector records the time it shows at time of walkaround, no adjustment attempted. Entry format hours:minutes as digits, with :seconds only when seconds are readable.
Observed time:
6:45:48
